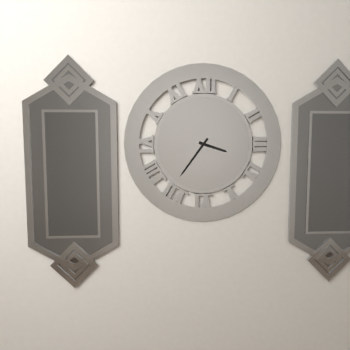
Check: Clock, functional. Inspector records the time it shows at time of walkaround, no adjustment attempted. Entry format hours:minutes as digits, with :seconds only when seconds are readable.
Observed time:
3:36
